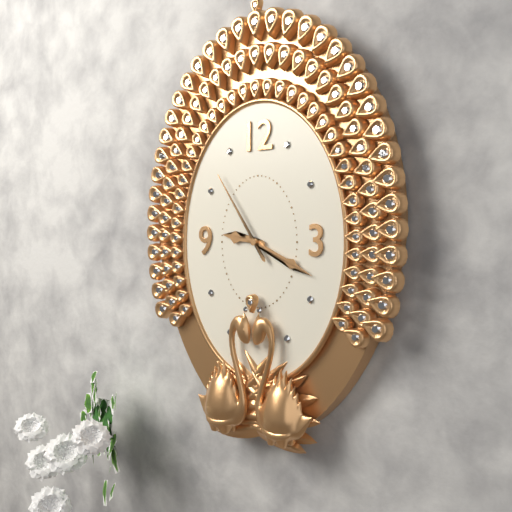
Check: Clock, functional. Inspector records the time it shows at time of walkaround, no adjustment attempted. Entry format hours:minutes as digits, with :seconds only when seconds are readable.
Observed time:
9:19:54
